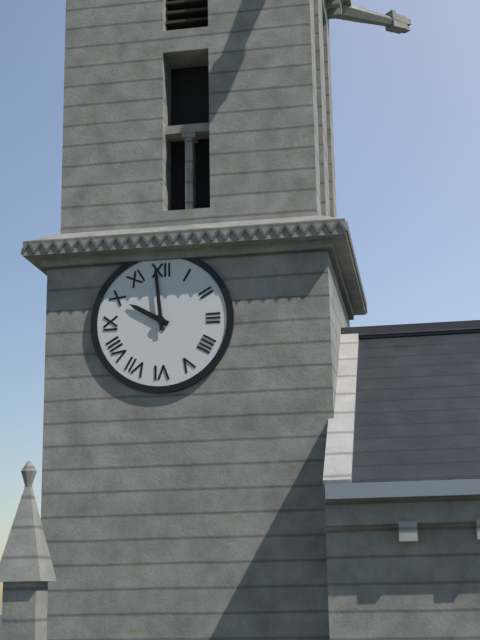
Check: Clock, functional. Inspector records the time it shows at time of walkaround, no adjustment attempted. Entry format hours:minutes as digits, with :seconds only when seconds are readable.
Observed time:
9:59
